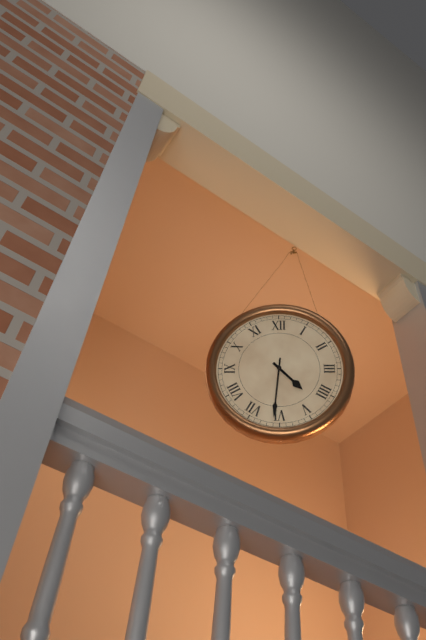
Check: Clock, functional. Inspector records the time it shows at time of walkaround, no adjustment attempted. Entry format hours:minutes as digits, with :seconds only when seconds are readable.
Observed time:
4:31
